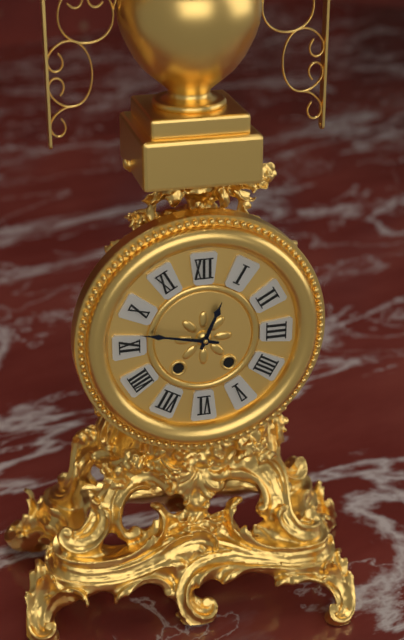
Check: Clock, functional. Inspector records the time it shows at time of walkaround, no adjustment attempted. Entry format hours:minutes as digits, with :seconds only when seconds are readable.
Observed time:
12:47
